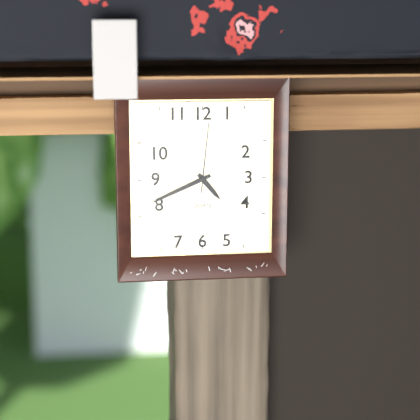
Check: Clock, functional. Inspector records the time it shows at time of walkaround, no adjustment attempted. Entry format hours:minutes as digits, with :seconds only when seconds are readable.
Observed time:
4:41:01
